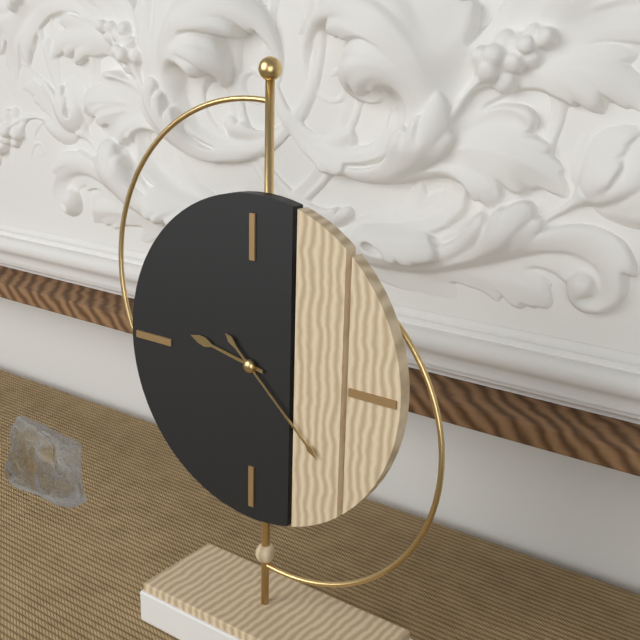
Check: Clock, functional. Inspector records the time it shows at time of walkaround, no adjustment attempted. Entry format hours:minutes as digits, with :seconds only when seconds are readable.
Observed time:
9:22
